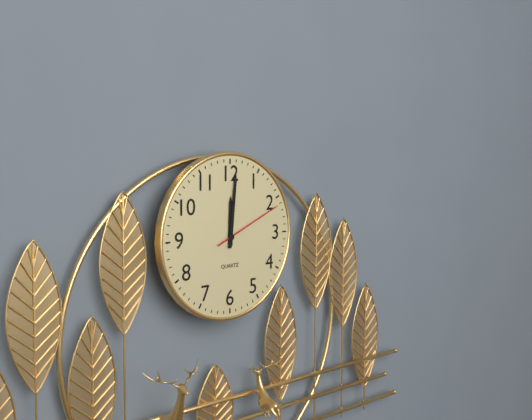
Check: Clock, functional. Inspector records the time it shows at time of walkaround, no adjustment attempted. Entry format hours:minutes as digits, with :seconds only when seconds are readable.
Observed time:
12:01:11
